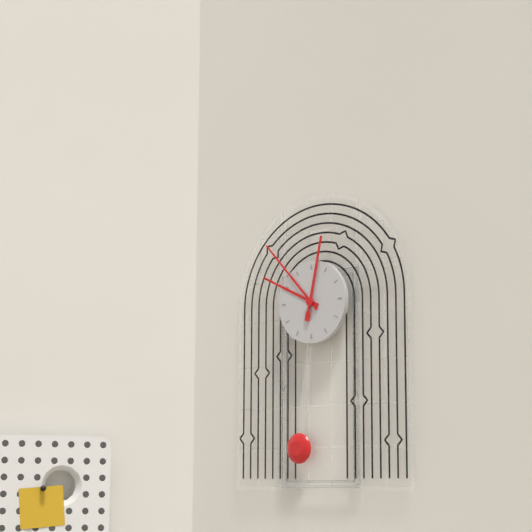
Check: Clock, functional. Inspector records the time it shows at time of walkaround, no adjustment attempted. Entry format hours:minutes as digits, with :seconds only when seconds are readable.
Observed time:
9:53:02
